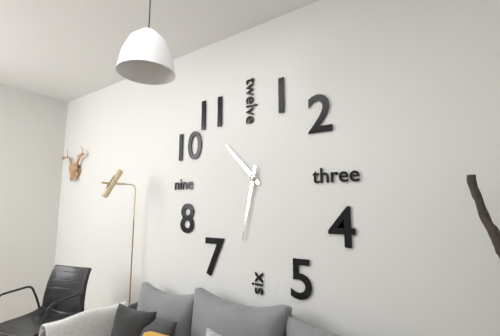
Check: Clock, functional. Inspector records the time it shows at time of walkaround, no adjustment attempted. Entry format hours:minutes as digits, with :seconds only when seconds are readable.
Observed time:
10:32
